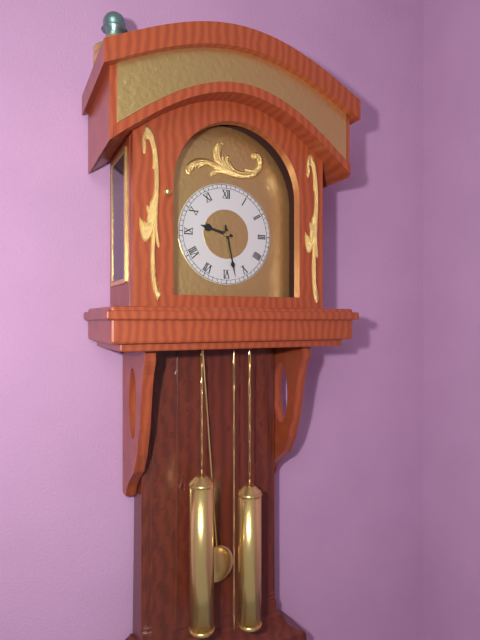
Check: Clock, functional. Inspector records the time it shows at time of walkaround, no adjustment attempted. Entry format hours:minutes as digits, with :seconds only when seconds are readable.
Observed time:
9:28
